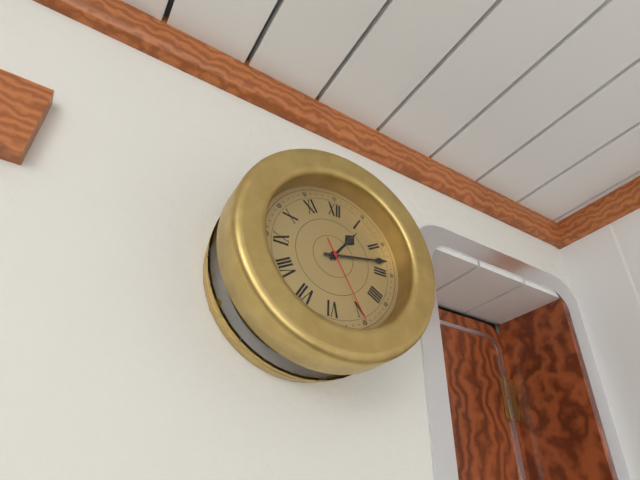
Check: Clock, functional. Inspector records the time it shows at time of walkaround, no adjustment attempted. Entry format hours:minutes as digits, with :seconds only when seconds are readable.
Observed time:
1:13:25
